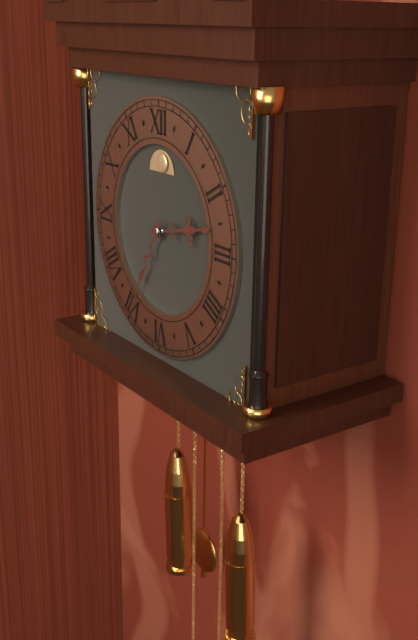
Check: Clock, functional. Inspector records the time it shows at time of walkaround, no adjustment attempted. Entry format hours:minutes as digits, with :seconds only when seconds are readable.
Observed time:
2:35
